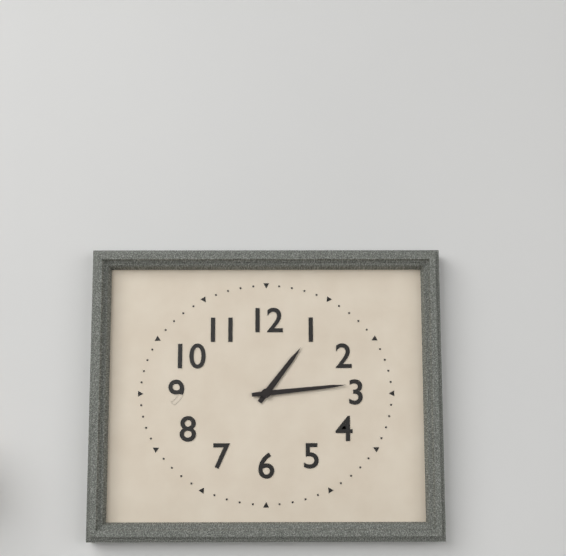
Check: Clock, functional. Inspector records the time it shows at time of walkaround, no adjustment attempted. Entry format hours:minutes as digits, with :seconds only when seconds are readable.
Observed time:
1:14
